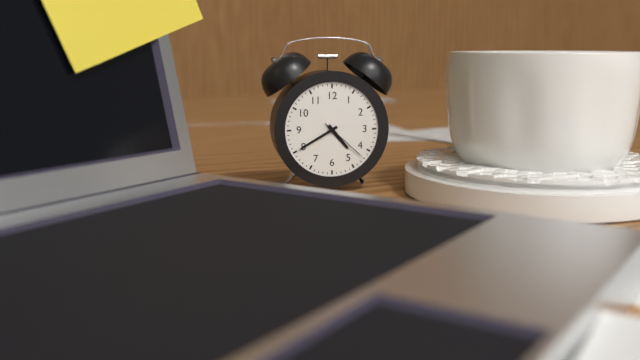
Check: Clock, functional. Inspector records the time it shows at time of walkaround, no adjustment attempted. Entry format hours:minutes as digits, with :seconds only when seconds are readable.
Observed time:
4:40:22
